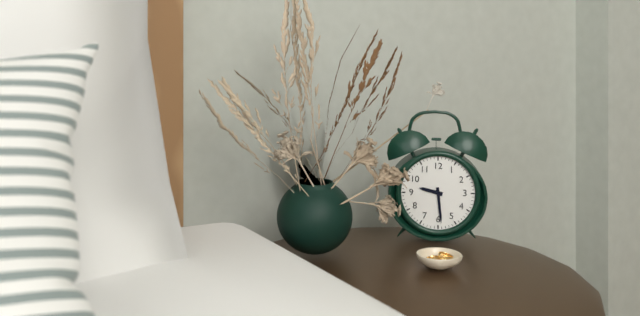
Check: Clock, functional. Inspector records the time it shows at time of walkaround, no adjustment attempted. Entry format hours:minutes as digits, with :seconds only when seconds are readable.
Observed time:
9:29
